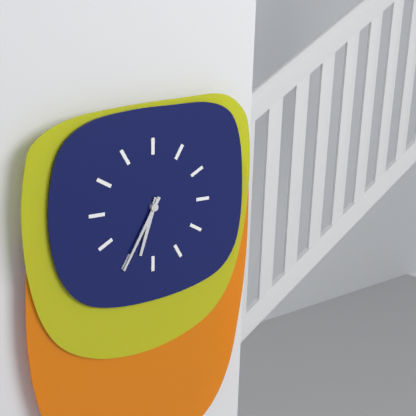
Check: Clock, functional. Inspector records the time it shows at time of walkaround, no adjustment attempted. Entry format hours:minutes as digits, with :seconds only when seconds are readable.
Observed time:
6:35
